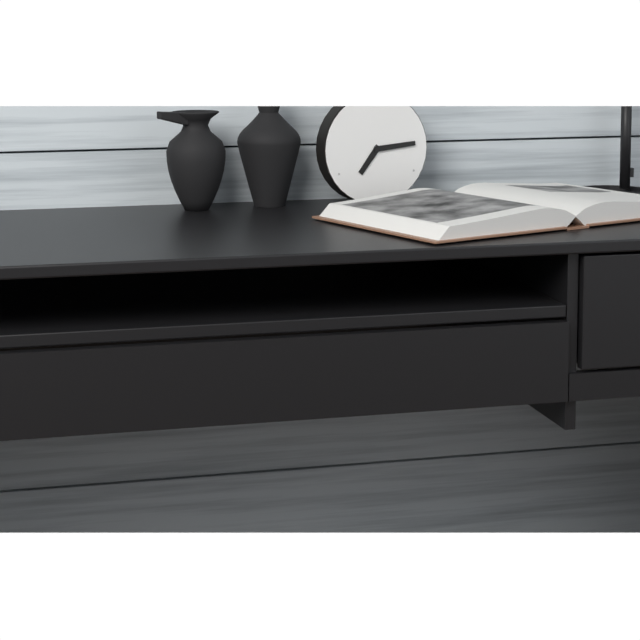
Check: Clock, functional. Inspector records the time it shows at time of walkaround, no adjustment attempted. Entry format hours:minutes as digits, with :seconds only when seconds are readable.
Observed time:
7:14
